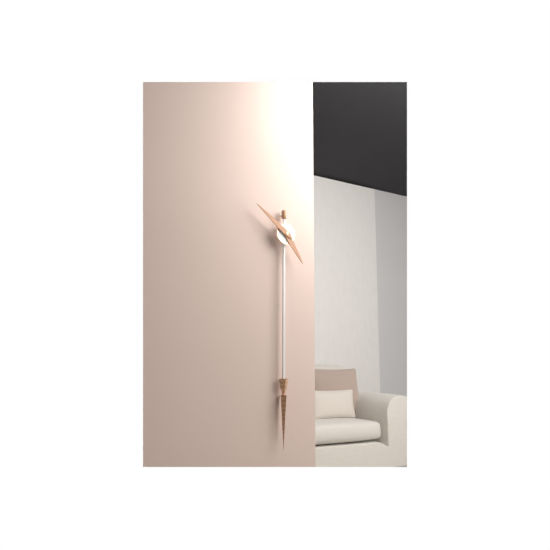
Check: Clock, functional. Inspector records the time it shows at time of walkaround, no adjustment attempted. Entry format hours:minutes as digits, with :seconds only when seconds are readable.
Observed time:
4:51
